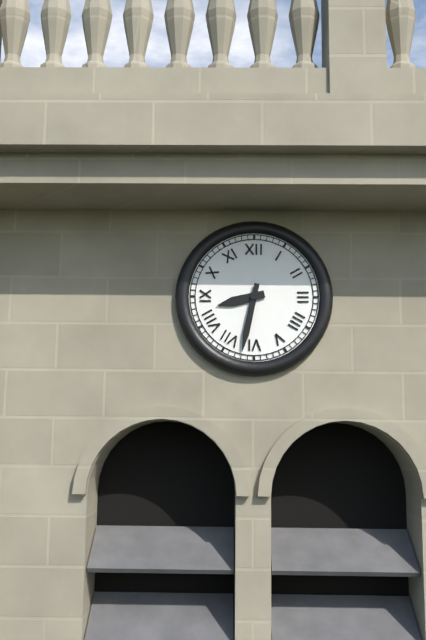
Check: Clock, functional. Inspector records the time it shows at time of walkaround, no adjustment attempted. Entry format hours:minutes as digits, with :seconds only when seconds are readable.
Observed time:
8:32
